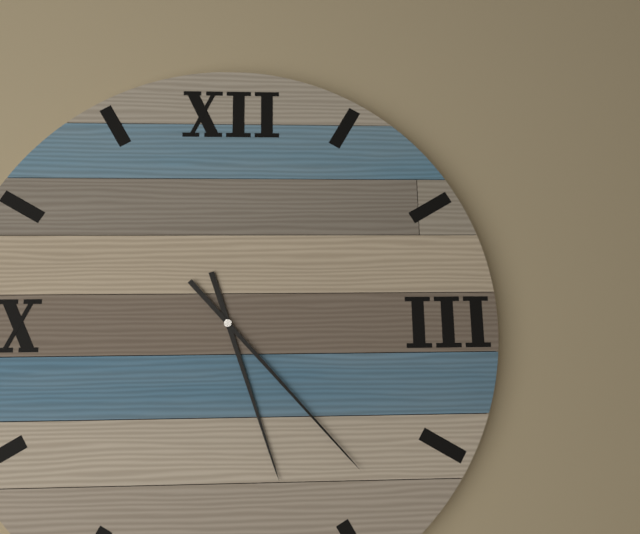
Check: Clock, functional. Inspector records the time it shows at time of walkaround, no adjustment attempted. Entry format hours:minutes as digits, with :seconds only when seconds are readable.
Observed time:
5:23
